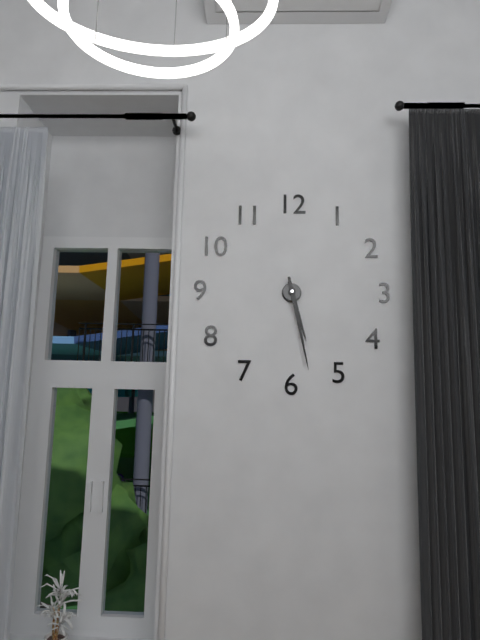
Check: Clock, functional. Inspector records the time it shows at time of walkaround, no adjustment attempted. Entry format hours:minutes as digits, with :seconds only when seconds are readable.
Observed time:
5:28
